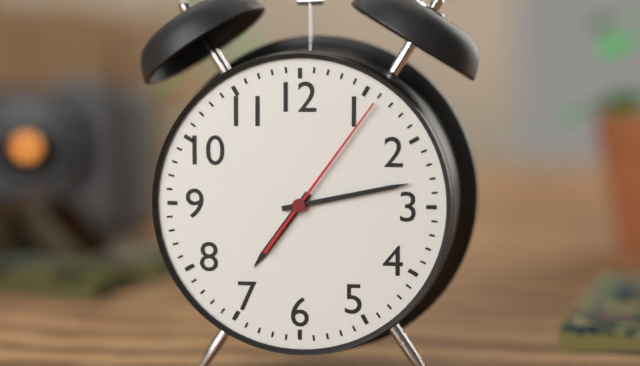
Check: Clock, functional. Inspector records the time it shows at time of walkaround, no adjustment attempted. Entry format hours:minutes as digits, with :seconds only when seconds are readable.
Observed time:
7:13:06
